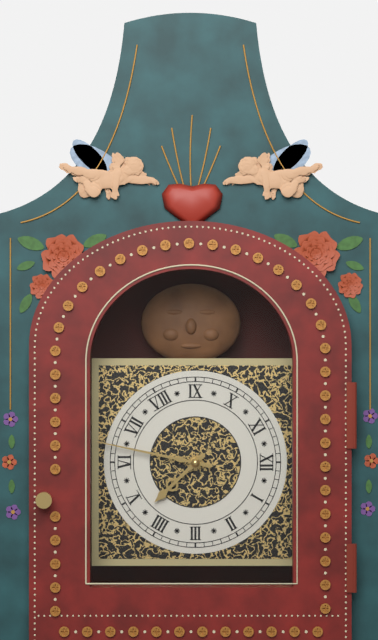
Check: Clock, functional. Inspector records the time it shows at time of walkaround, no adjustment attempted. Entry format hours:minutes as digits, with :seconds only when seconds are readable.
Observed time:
4:32
